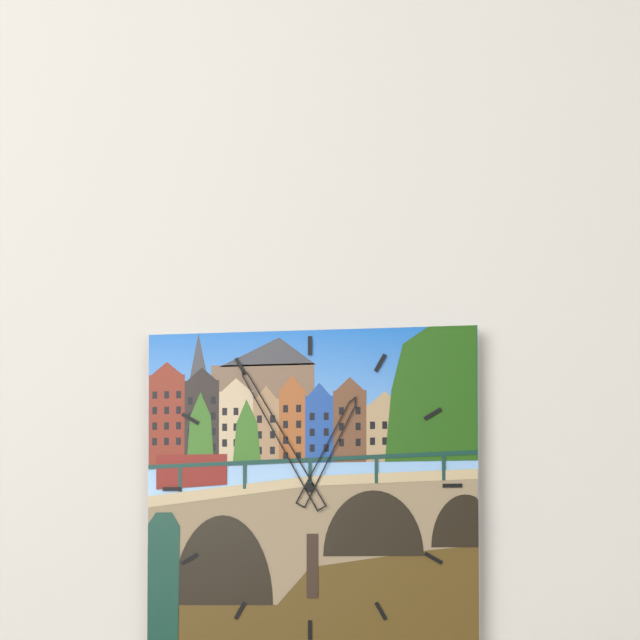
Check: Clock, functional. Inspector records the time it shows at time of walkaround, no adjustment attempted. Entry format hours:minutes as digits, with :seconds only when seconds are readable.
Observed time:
12:55
